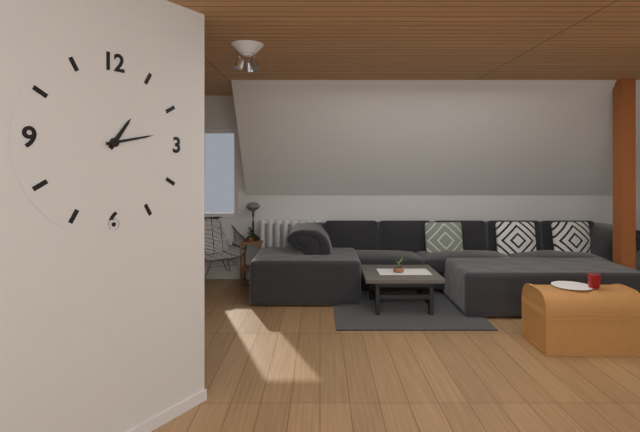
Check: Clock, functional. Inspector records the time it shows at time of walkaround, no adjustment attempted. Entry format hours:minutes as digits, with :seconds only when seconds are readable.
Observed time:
1:13
